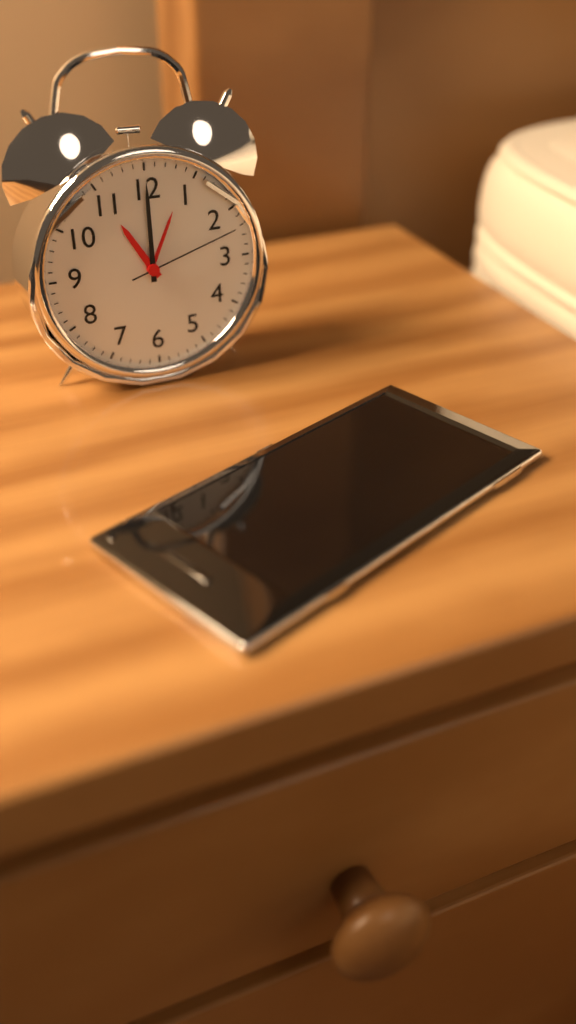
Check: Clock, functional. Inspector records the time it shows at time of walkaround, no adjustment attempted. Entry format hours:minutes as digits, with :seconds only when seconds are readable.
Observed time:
11:00:12
